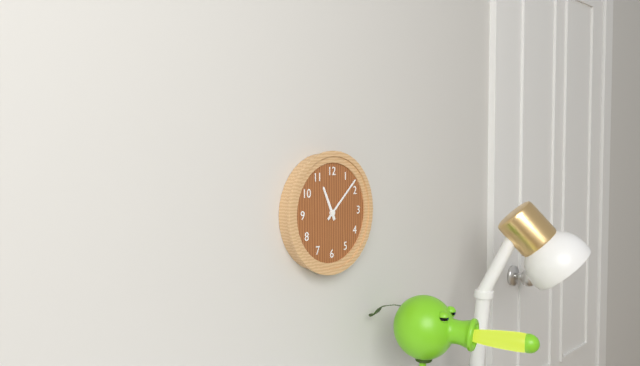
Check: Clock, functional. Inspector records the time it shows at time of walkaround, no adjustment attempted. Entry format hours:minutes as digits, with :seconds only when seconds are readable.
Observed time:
11:08
